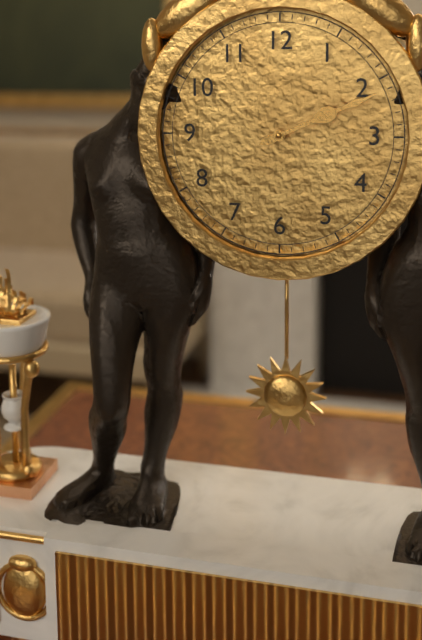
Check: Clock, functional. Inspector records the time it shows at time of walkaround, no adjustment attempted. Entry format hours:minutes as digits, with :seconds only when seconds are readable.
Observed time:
2:11
